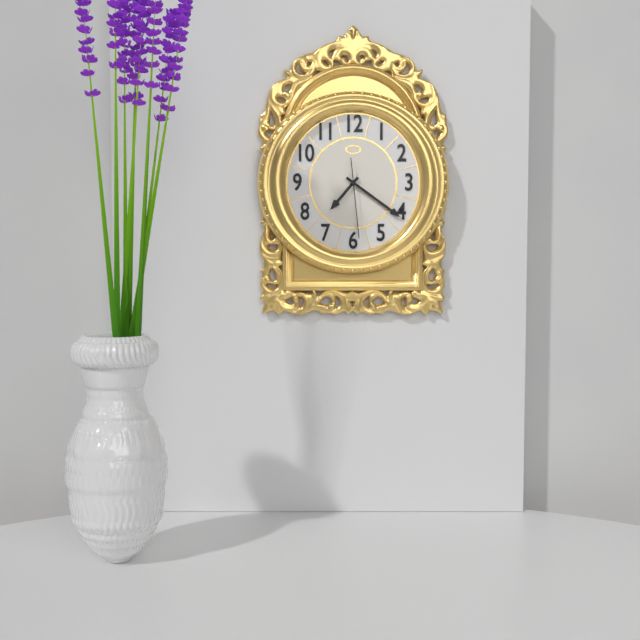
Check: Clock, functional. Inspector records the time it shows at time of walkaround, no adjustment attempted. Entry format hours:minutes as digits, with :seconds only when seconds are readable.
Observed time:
7:21:29
